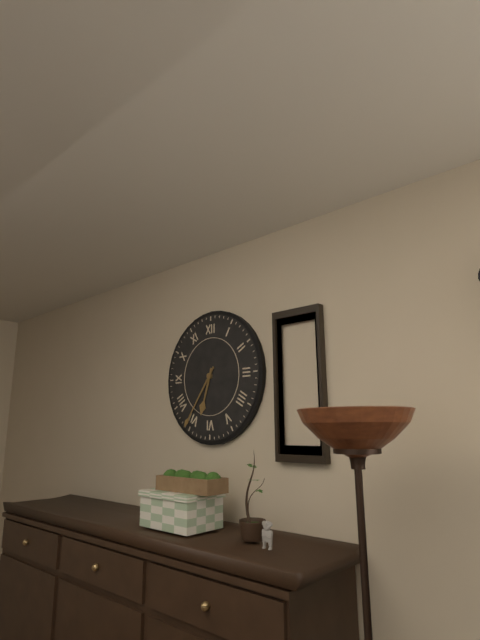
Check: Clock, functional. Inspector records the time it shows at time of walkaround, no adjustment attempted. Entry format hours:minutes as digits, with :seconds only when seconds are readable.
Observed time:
6:36
